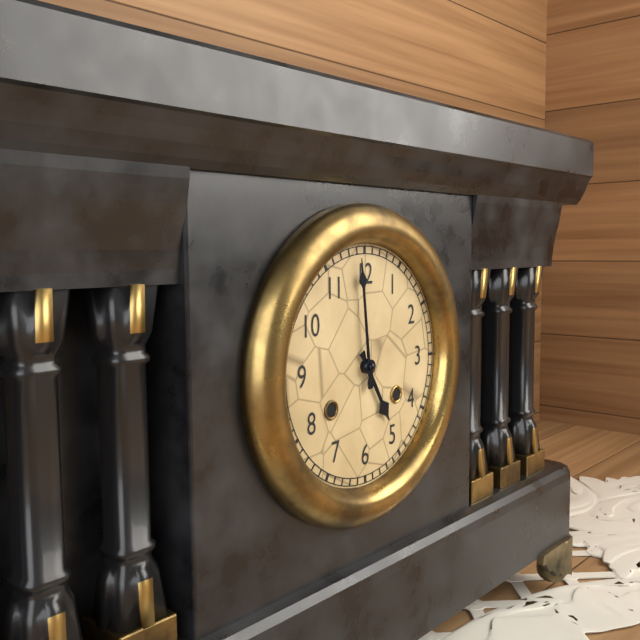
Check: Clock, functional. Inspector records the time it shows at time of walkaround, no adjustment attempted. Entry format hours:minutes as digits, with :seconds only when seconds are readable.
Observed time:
4:59
